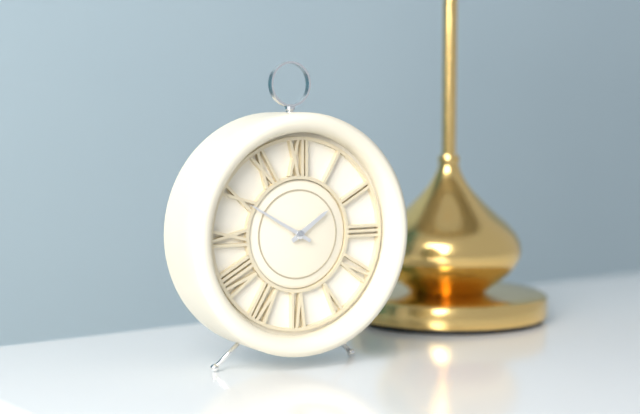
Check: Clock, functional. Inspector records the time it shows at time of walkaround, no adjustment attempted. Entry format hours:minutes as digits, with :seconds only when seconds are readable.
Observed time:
1:50
